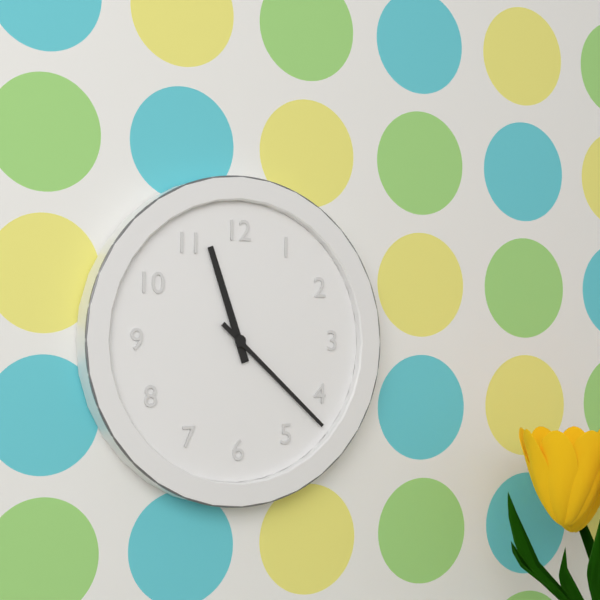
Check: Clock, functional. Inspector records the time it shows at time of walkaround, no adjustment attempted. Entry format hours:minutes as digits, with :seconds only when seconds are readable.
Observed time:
11:22
